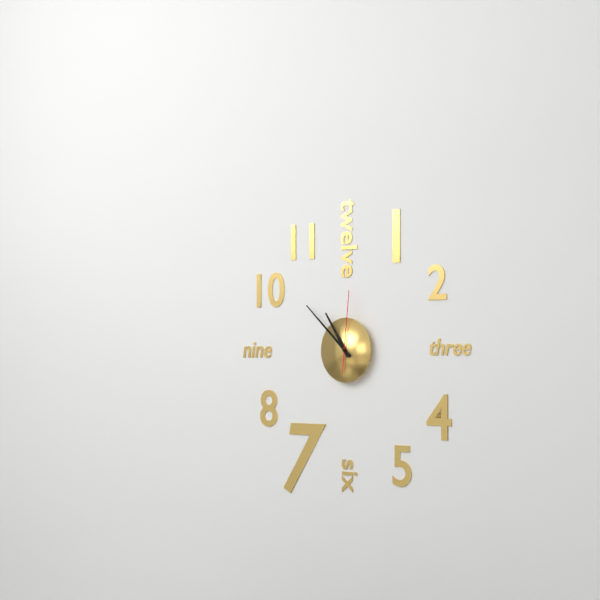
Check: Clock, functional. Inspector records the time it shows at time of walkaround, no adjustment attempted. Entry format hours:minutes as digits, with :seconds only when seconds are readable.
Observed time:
10:52:01
